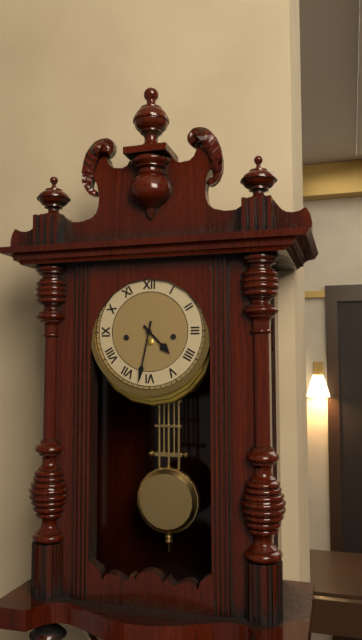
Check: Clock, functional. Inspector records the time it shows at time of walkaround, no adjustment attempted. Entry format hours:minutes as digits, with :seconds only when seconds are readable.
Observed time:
4:32
